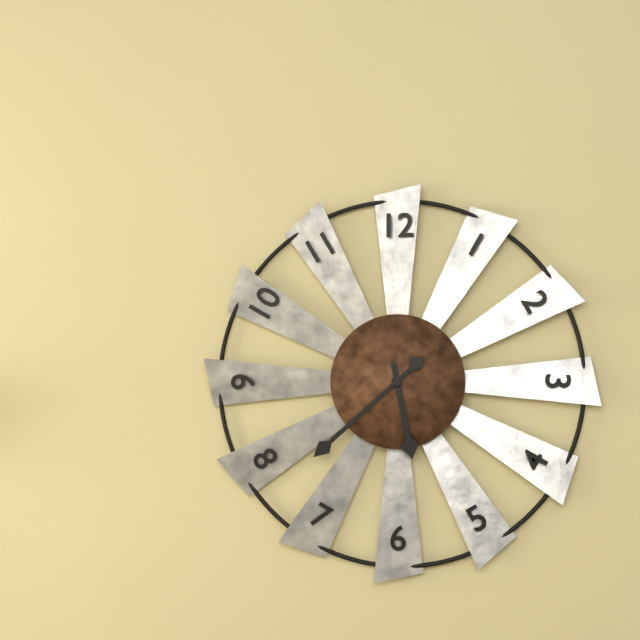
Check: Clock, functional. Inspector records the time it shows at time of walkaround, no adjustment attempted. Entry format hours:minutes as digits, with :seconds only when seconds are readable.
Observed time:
5:38
